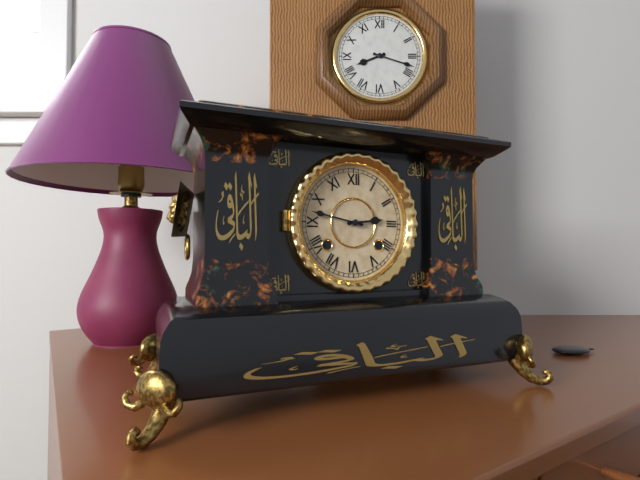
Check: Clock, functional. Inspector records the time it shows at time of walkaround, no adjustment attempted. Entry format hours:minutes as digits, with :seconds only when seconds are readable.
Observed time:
2:47
